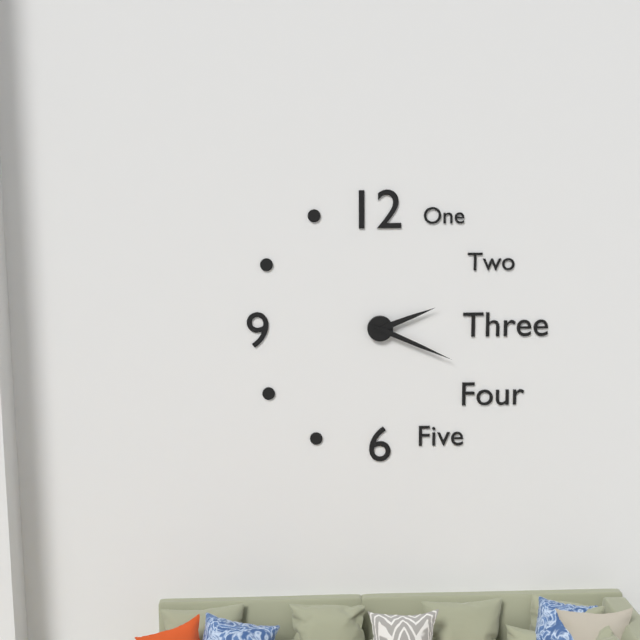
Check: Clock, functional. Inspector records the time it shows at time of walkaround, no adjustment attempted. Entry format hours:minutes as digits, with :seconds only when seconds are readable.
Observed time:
2:19
